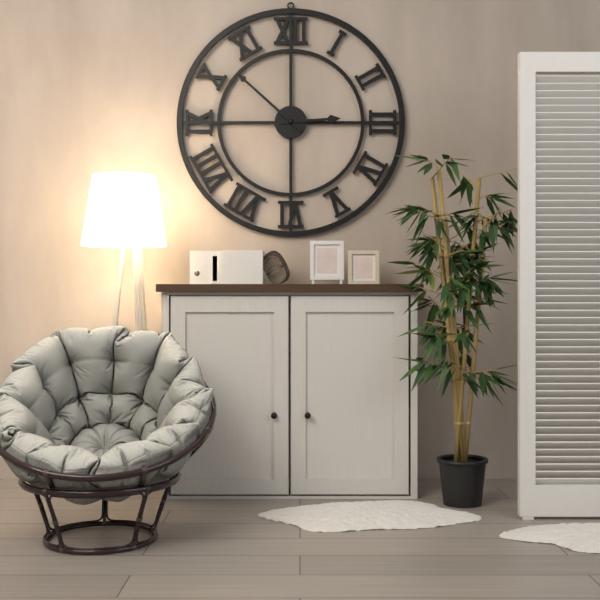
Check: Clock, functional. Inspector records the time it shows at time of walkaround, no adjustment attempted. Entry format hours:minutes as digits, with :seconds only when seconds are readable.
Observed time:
2:52
